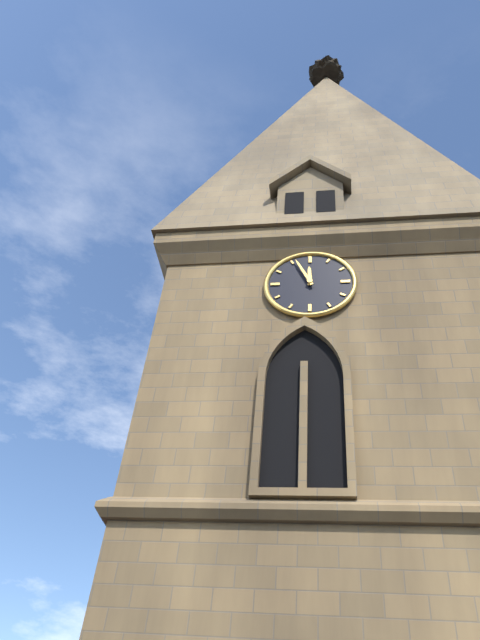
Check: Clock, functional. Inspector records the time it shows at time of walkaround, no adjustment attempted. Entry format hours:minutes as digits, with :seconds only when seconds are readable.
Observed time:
11:56
